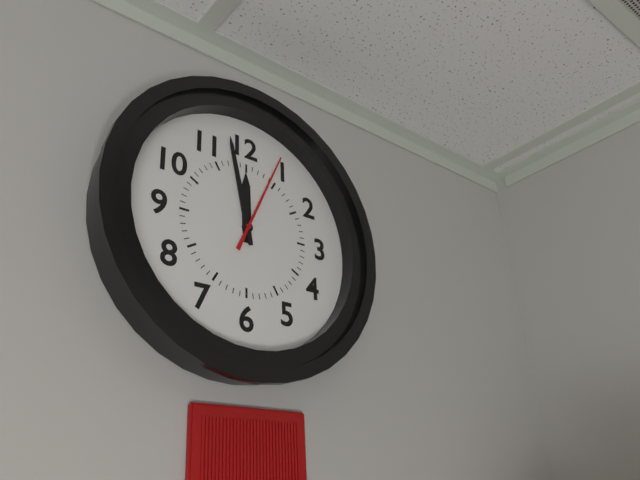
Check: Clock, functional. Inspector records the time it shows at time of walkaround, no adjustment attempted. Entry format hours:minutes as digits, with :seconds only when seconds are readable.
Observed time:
11:58:04
